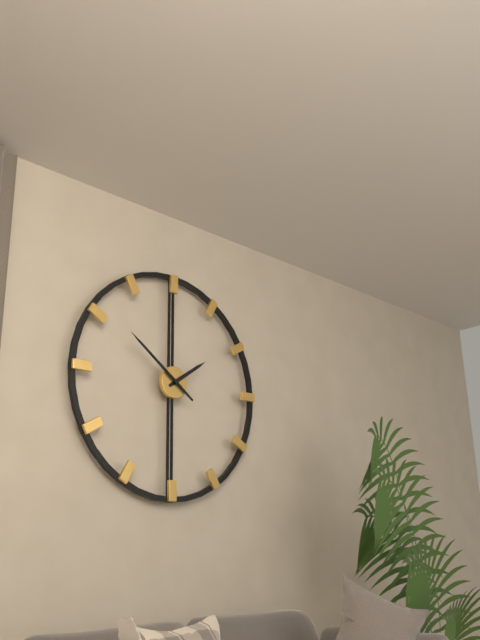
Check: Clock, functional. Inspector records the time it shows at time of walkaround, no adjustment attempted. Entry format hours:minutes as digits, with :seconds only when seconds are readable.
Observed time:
1:51
